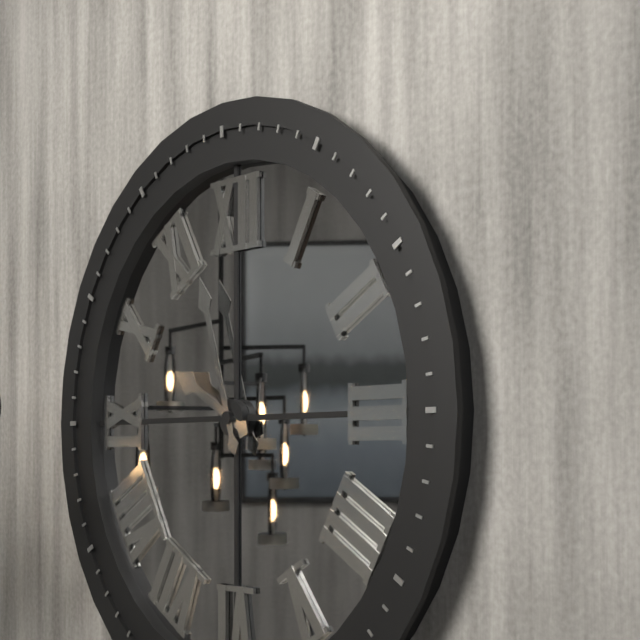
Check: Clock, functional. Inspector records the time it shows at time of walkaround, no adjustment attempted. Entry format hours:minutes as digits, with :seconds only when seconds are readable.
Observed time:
9:57
